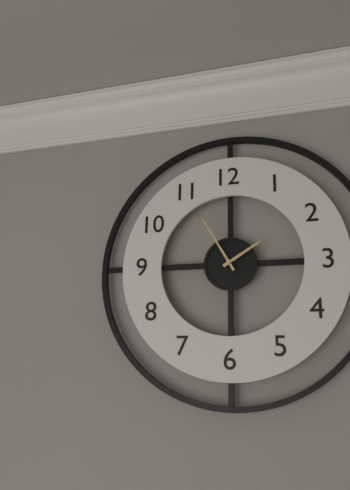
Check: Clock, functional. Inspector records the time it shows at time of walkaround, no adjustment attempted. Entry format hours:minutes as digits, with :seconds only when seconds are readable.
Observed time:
1:55
